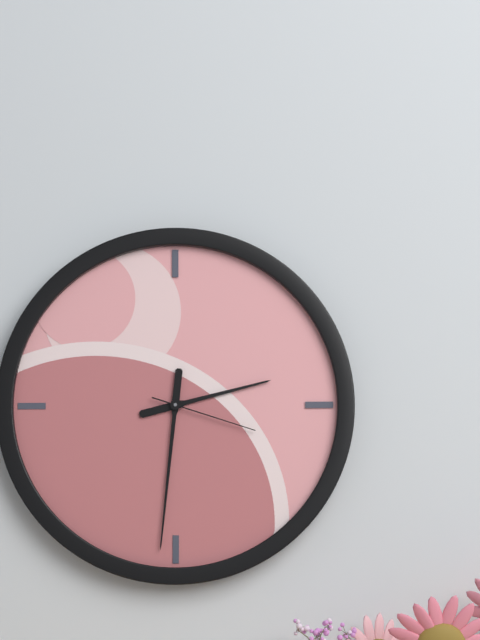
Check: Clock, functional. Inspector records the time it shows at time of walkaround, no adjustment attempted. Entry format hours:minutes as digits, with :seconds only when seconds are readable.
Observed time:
2:31:18
